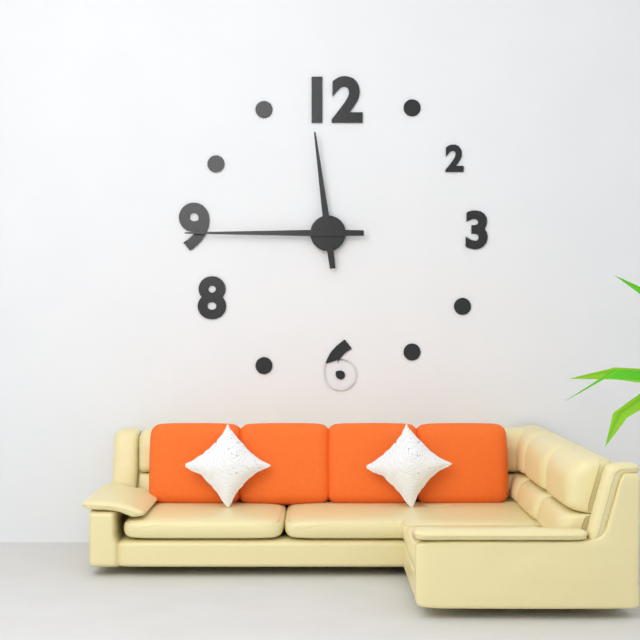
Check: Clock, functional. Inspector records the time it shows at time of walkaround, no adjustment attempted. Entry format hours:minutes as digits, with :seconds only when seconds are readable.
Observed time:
11:45
